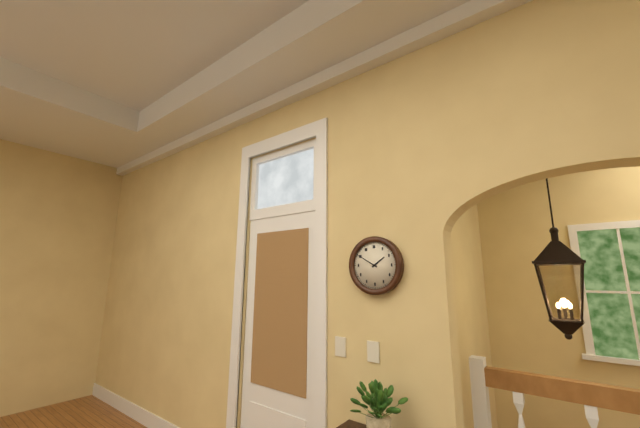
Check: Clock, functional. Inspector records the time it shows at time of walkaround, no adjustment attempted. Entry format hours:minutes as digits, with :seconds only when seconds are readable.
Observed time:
1:50
